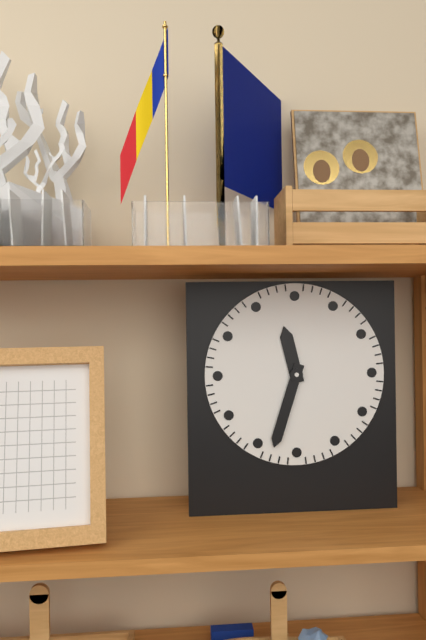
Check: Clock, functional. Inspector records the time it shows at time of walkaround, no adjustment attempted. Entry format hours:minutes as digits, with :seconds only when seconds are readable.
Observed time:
11:33
